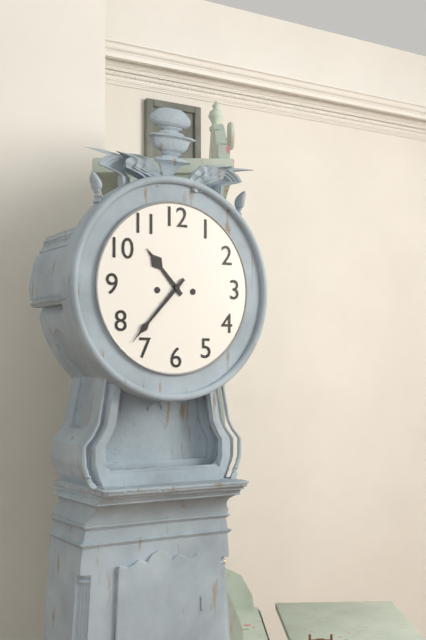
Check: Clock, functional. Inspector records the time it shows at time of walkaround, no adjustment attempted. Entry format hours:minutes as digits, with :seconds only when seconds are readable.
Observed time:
10:37
